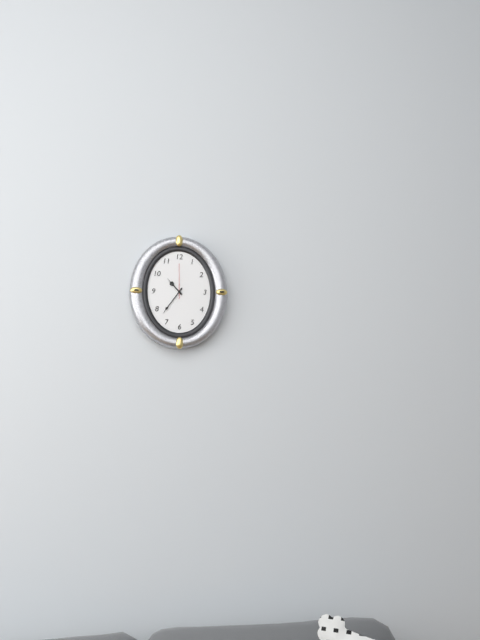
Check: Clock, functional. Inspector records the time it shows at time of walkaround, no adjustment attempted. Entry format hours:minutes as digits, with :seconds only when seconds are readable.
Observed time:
10:36
